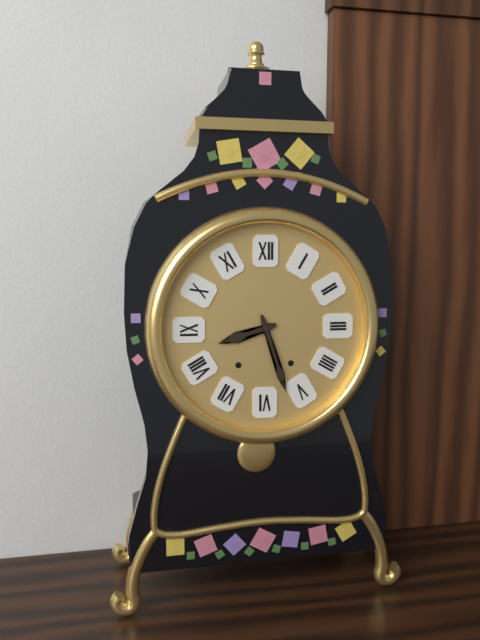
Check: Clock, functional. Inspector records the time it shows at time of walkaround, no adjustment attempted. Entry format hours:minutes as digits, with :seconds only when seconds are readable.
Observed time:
8:27
